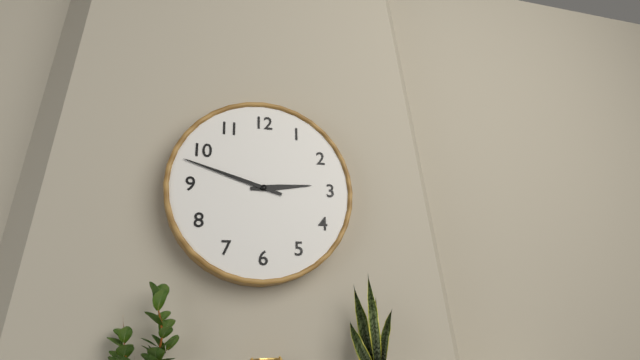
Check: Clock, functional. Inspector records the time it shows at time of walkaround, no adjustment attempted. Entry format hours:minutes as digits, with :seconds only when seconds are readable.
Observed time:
2:48
